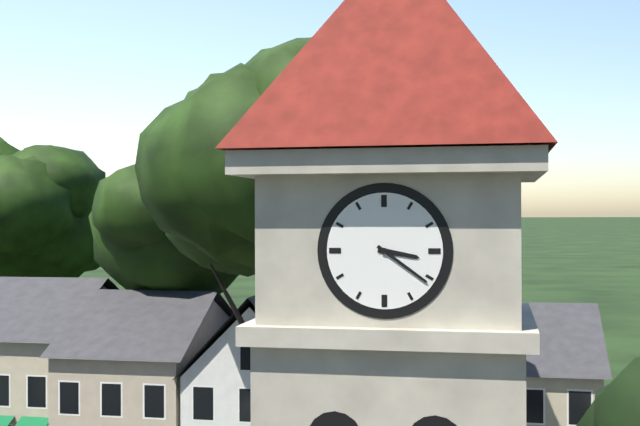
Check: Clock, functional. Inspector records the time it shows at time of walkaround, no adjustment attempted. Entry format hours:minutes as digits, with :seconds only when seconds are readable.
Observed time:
3:21
